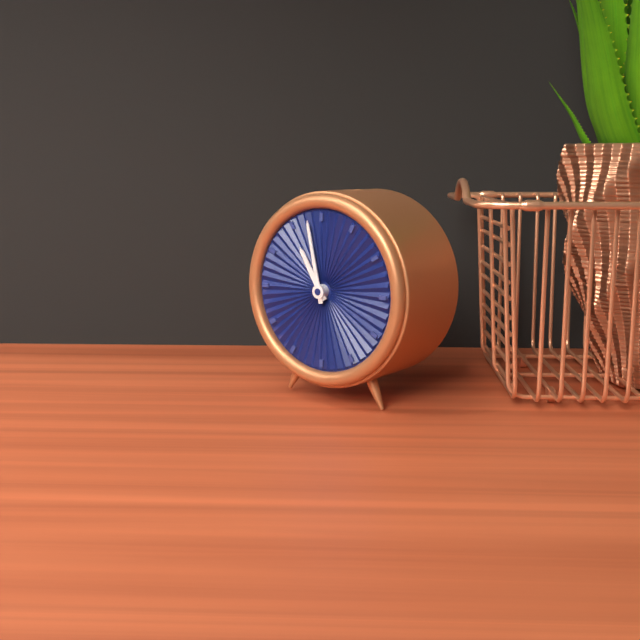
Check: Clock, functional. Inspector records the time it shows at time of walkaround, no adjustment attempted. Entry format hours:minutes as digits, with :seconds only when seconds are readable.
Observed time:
10:58
